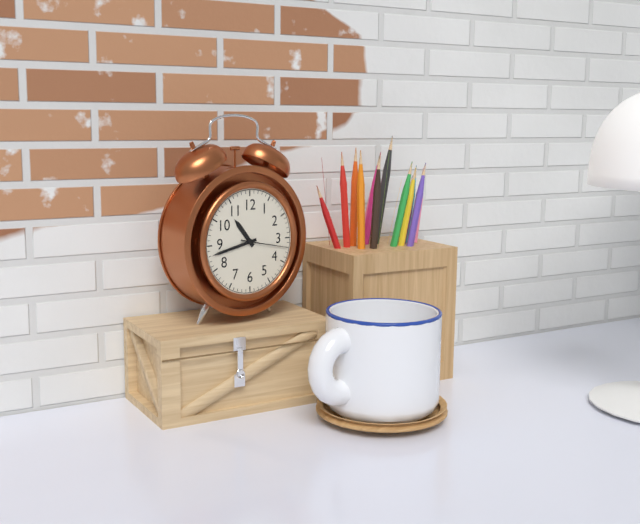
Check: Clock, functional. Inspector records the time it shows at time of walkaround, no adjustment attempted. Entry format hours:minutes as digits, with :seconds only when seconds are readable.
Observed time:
10:43
